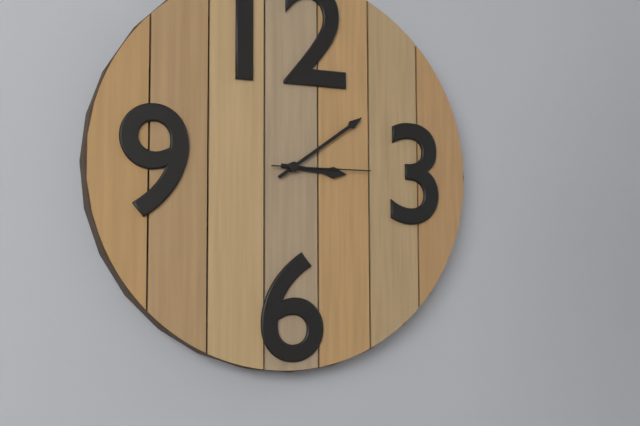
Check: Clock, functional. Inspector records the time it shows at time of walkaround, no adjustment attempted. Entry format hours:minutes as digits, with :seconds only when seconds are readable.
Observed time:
3:09:15
